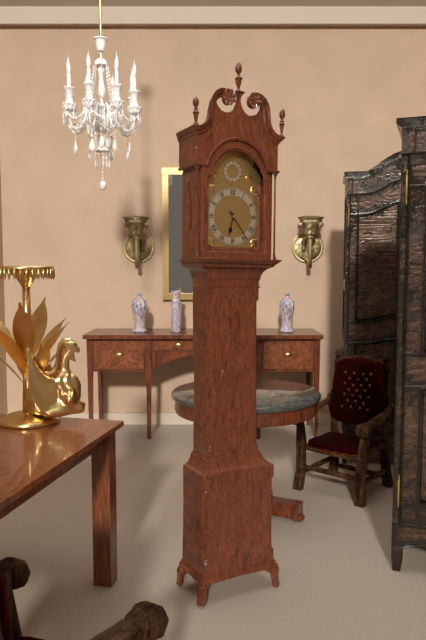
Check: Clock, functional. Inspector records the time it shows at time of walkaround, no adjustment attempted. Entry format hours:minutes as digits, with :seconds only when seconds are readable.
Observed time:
6:24
